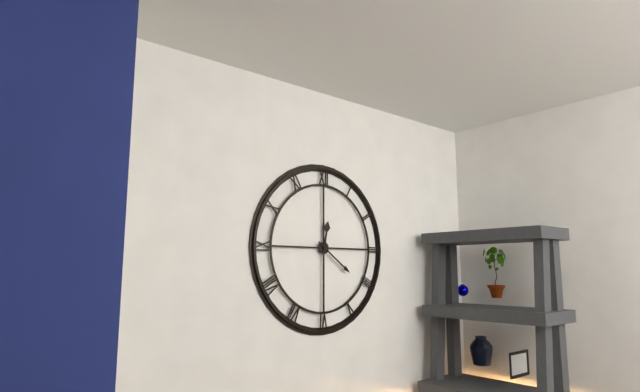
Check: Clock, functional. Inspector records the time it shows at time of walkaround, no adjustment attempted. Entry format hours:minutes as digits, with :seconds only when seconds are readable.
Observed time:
12:21
